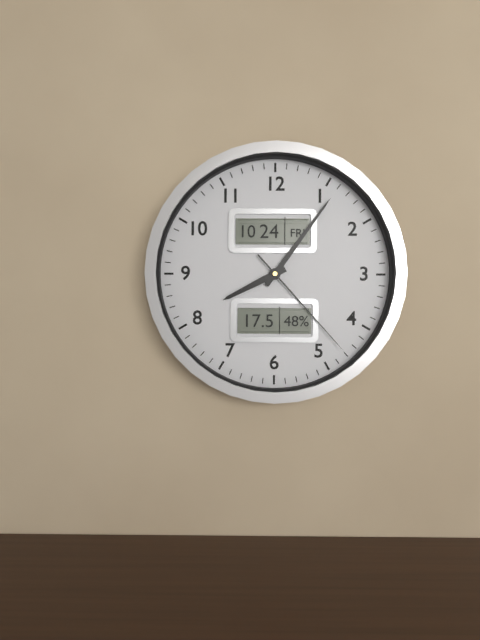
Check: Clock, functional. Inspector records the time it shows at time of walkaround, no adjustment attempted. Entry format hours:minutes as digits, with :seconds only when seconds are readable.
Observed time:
8:06:23
